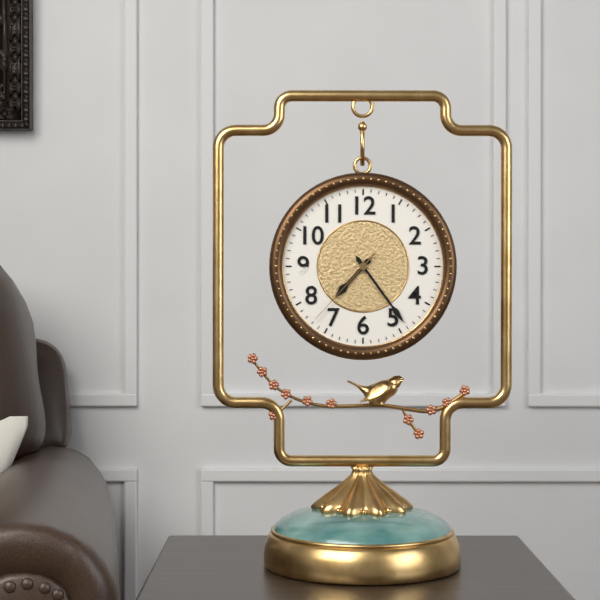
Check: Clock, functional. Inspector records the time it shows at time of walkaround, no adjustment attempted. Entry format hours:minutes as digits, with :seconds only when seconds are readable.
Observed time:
7:24:37
